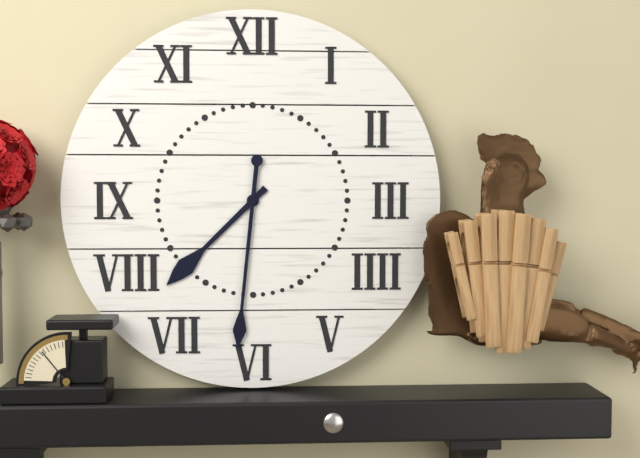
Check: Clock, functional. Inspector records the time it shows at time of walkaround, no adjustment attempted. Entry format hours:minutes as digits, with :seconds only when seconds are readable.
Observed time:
7:31
